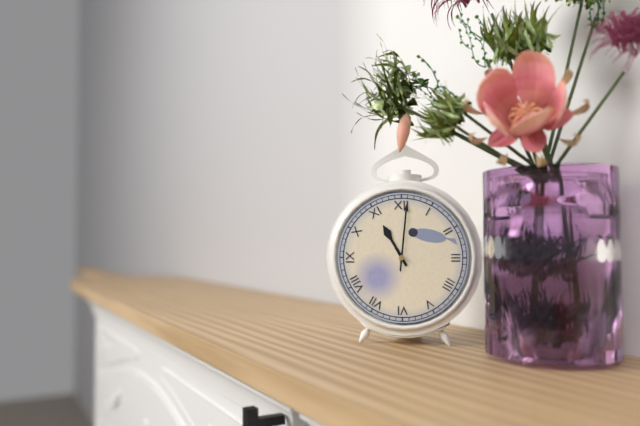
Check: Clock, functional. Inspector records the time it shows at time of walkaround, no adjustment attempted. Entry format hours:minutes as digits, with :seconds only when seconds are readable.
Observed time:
11:01
